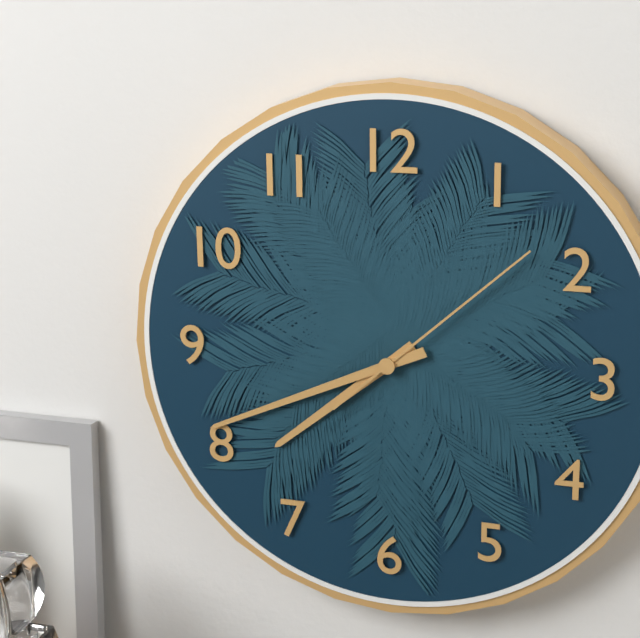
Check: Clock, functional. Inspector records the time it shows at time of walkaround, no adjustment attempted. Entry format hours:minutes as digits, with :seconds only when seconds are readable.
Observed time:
7:41:08
